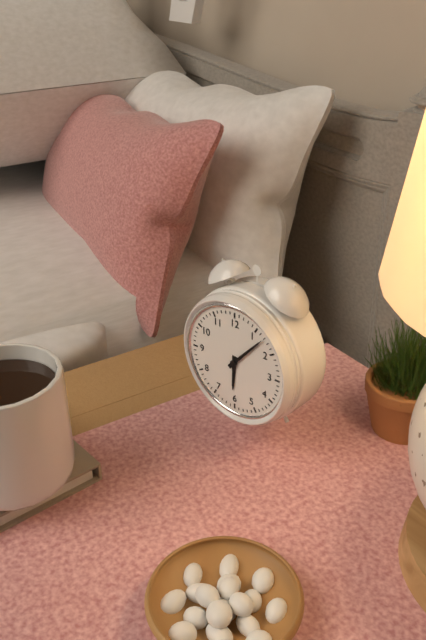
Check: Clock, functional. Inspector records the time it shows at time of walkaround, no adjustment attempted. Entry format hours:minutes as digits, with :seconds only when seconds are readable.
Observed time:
6:07
